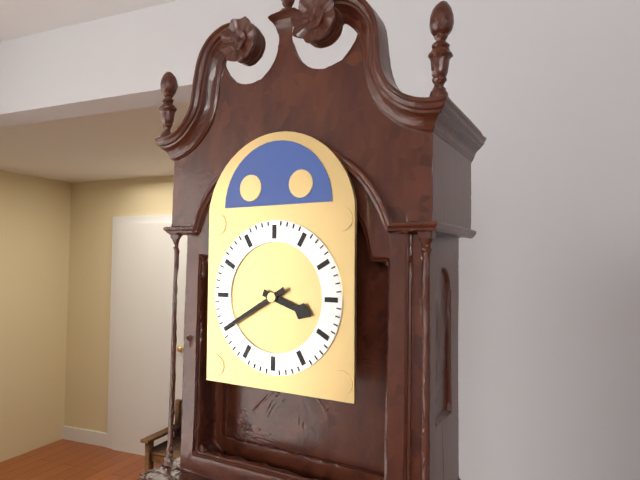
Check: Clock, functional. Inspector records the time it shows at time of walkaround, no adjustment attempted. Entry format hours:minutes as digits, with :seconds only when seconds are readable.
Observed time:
3:40
